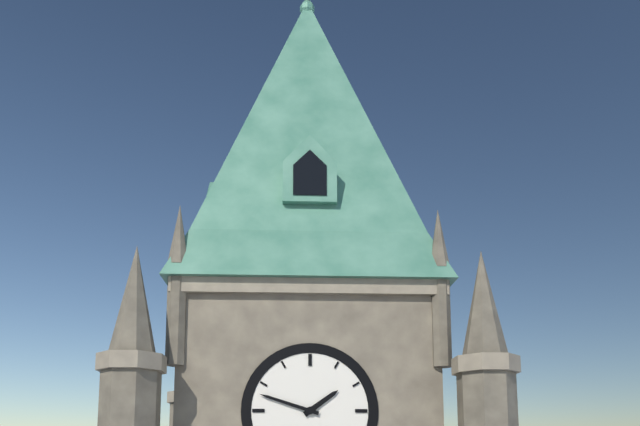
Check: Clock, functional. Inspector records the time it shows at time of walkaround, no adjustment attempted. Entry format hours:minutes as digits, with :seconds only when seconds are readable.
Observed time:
1:48
